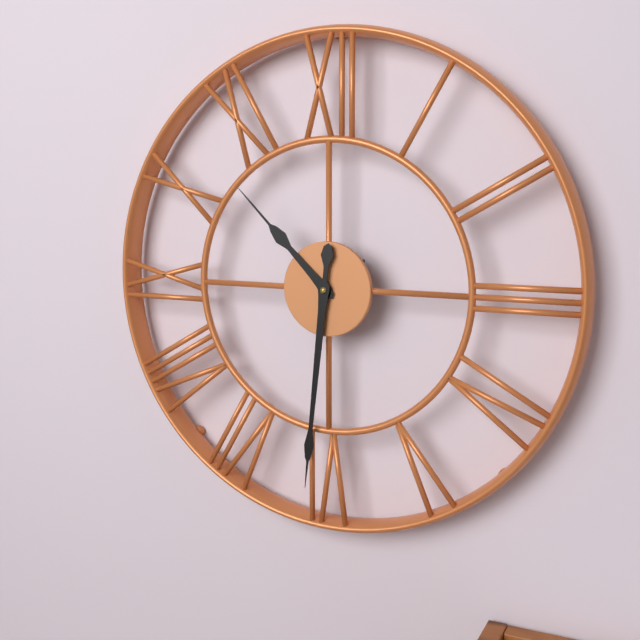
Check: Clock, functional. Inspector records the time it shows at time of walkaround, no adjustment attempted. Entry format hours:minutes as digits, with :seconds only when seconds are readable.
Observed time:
10:31
